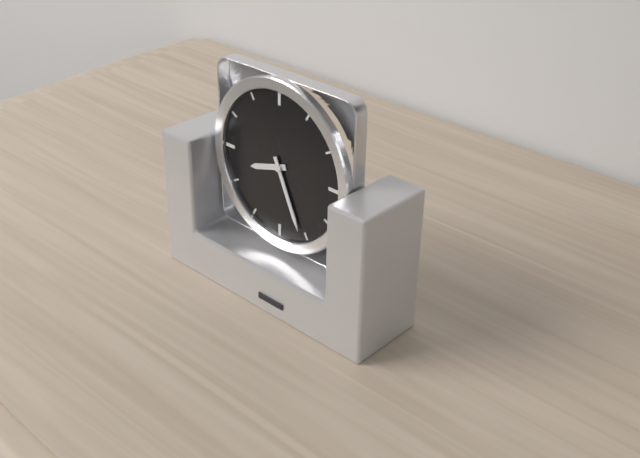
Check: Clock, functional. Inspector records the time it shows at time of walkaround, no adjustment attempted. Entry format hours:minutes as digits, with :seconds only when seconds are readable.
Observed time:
8:26
